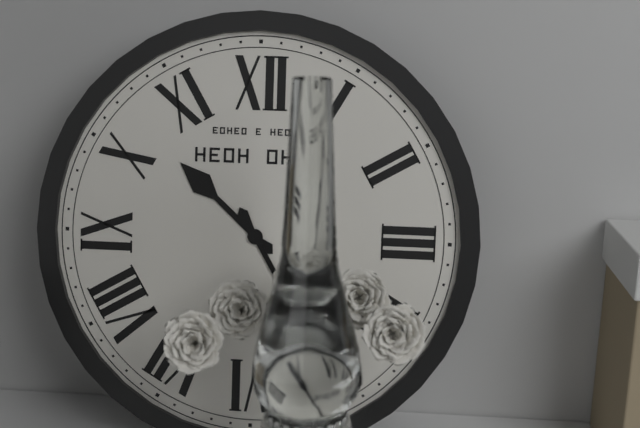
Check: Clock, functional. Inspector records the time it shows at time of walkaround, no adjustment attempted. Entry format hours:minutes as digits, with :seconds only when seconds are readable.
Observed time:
10:25
